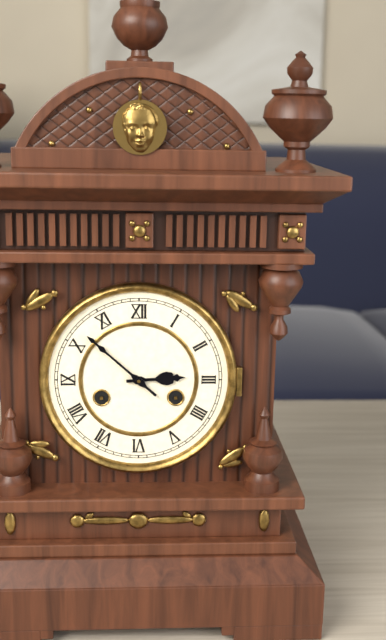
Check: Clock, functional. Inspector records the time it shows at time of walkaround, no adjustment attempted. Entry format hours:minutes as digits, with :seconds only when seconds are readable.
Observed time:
2:52
